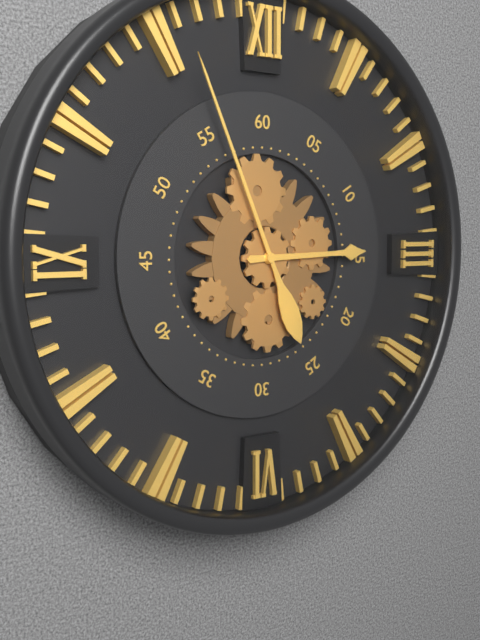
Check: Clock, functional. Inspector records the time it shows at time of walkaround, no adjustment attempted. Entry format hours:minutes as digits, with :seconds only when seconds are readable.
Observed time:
2:56
